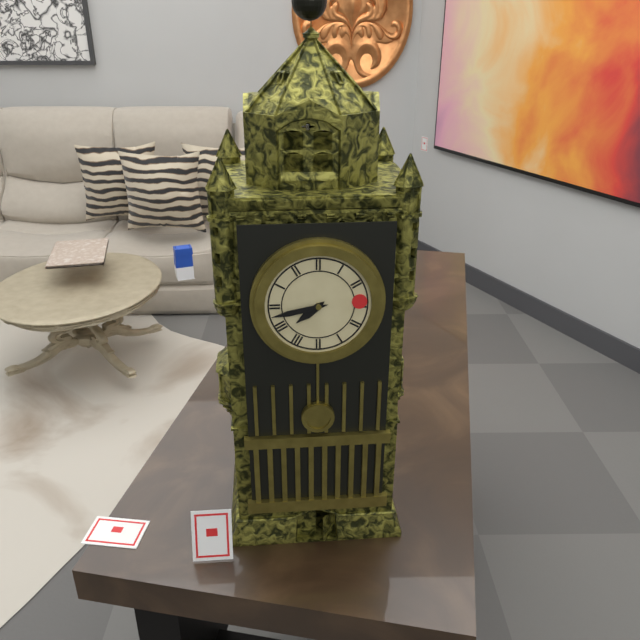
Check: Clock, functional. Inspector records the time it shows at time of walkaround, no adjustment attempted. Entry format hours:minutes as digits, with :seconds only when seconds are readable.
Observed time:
7:43
